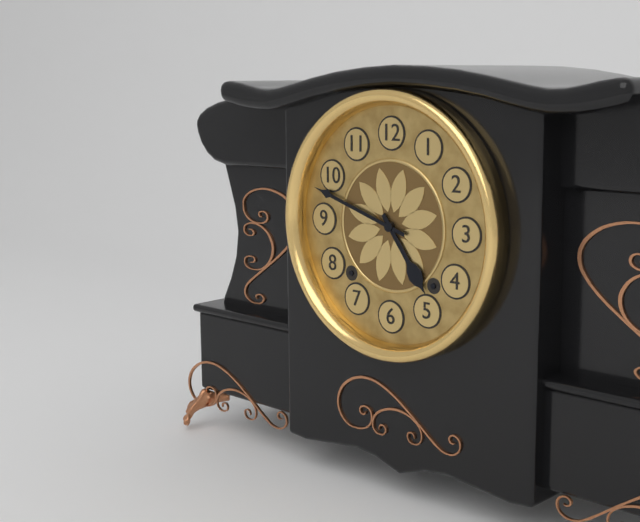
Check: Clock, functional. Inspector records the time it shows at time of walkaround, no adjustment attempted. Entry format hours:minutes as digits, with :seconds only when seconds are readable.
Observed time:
4:48
